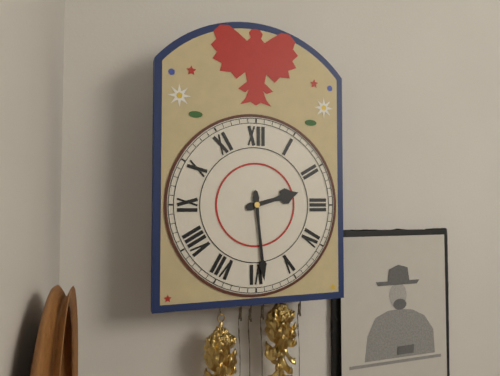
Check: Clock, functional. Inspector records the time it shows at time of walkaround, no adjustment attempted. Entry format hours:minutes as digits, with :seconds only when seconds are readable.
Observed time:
2:29
